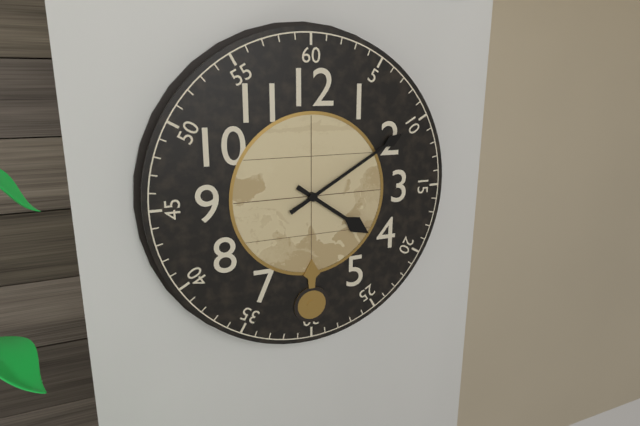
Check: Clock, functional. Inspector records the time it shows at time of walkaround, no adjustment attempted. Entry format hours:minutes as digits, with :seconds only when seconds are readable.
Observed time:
4:10
